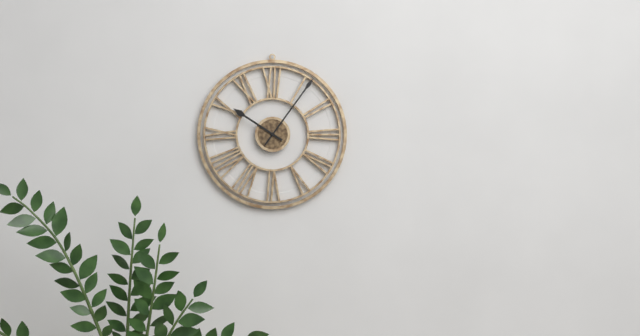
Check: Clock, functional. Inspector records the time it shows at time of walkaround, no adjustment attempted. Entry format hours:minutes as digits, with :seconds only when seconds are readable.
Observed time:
10:06
